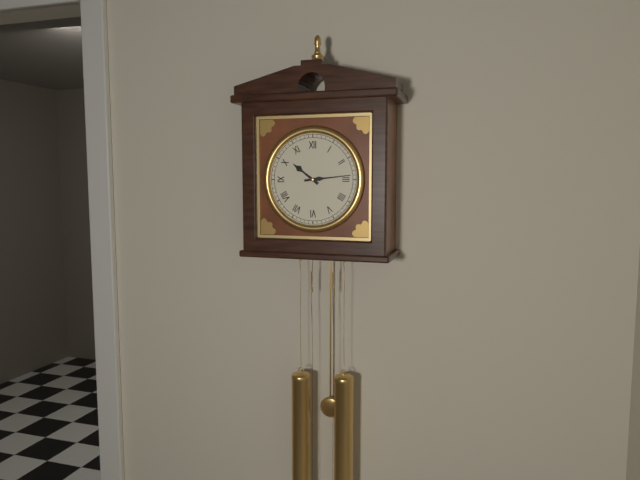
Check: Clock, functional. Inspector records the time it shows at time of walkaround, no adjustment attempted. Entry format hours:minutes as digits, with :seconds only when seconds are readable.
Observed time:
10:14
